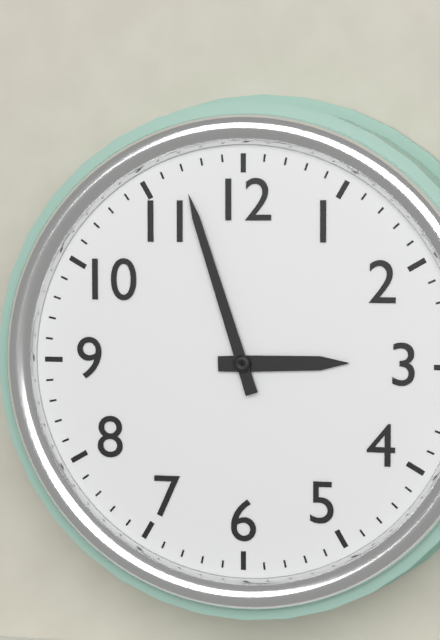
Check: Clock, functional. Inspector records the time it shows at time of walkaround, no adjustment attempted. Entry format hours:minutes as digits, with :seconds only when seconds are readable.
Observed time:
2:57
